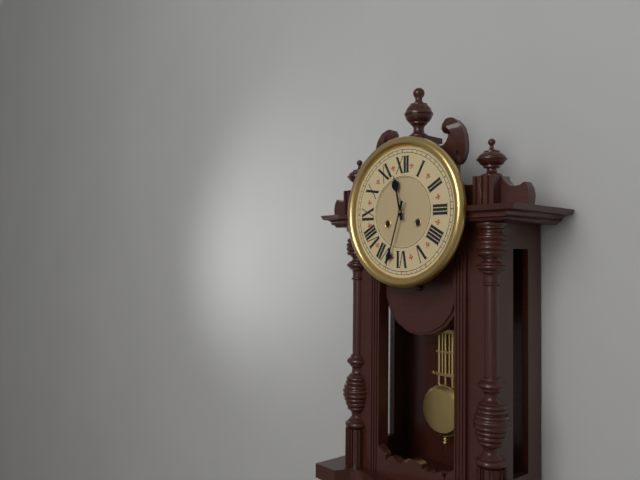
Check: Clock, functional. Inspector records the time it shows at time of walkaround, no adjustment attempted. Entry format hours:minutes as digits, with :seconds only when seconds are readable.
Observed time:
11:33
